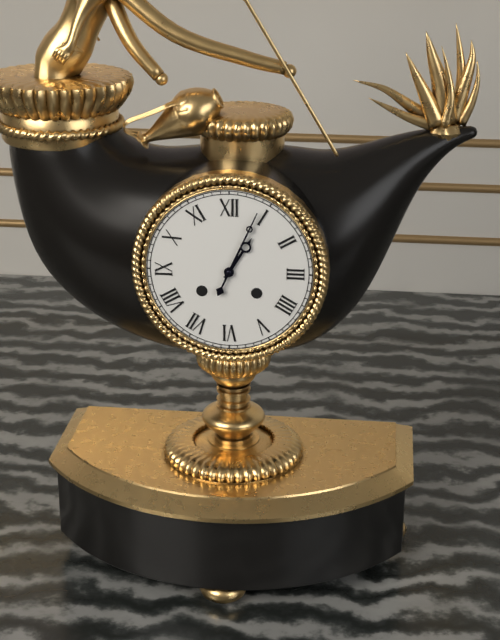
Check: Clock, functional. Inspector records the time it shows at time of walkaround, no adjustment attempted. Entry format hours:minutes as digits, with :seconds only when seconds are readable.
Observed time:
1:04
